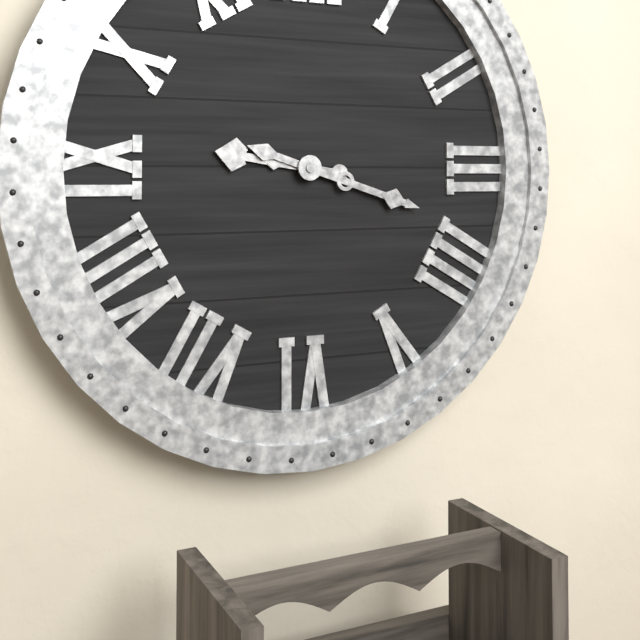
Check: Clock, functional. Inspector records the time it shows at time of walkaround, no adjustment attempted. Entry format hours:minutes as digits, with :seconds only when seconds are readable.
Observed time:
9:18
